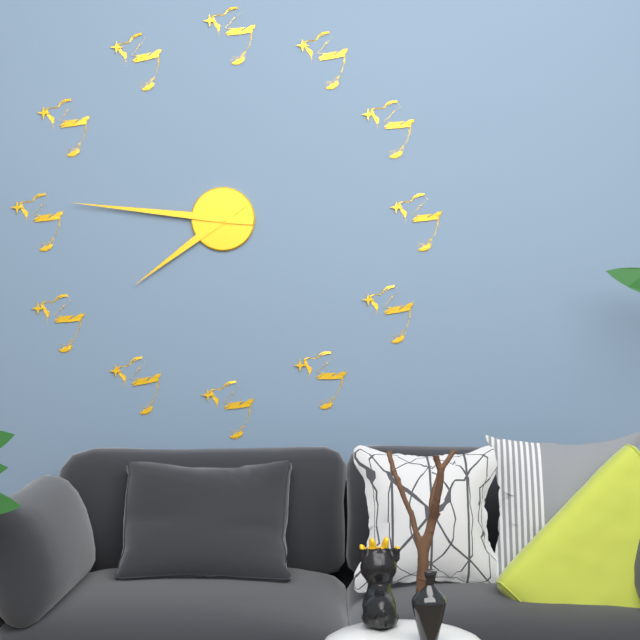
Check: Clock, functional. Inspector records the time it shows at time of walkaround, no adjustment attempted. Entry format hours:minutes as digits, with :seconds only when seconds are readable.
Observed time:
7:46
